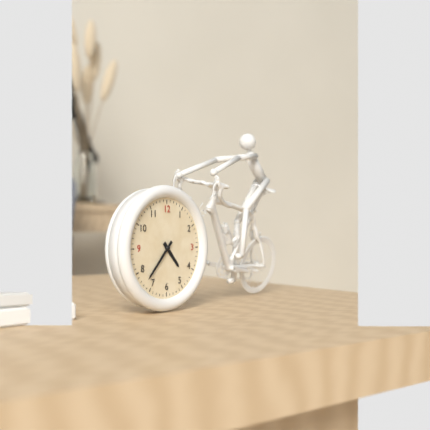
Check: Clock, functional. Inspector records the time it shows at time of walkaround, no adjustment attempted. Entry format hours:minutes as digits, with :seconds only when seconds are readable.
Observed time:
4:37
